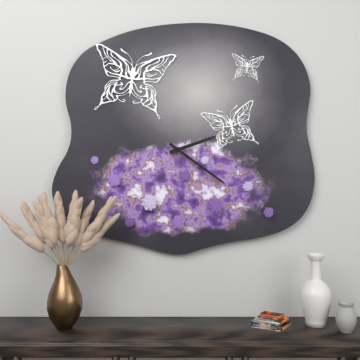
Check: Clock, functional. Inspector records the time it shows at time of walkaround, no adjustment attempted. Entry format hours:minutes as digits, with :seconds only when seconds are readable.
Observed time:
2:21
